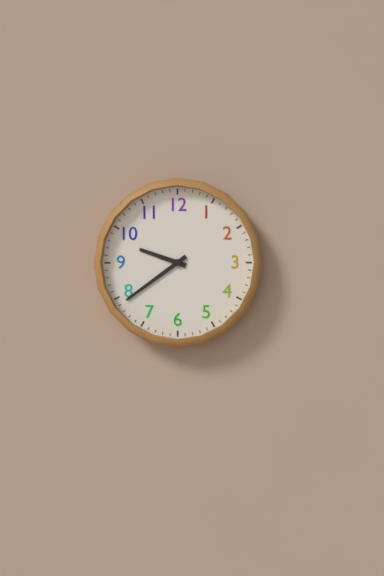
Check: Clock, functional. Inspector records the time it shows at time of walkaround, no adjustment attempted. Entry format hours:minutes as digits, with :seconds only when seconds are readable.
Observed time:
9:39
